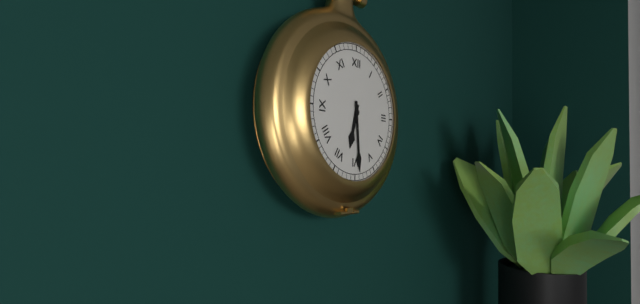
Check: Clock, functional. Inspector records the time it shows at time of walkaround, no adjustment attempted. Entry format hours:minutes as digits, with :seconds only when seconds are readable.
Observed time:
6:29
